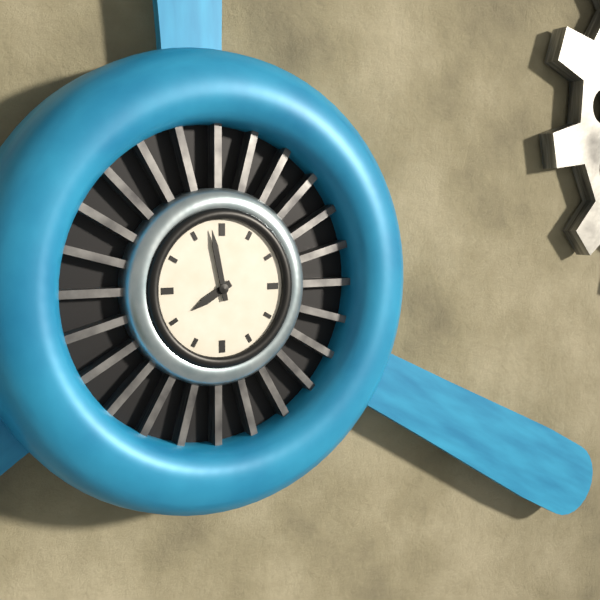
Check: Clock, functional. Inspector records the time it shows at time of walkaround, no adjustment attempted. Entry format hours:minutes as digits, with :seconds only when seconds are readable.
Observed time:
7:58
